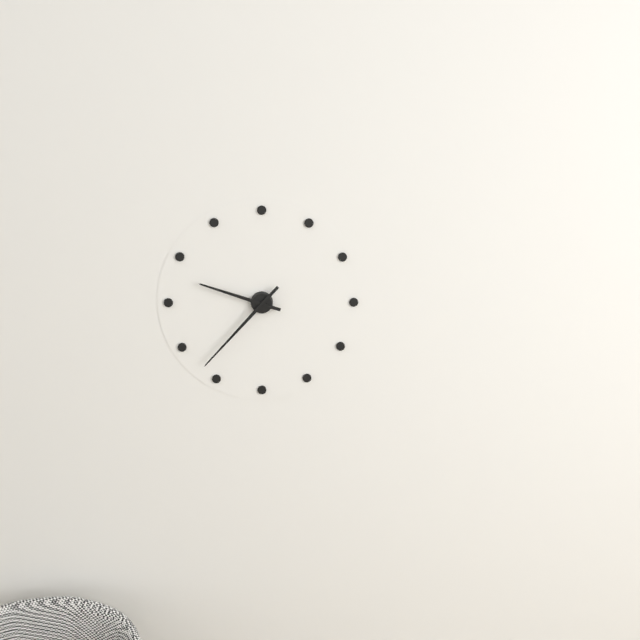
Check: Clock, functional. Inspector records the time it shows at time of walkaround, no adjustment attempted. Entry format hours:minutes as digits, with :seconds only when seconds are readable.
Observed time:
9:37
